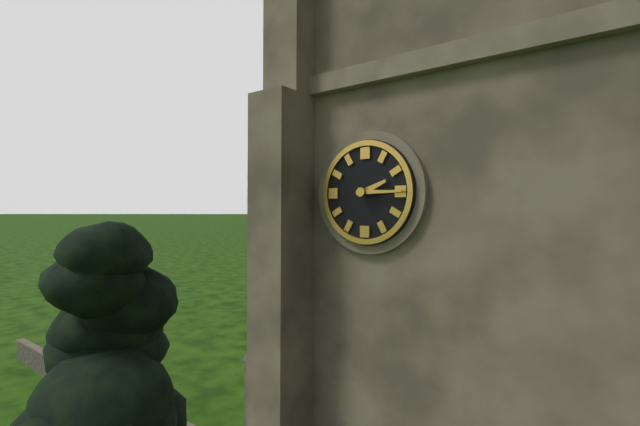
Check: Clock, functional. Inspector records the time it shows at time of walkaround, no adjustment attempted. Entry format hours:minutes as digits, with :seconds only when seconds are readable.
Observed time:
2:15
